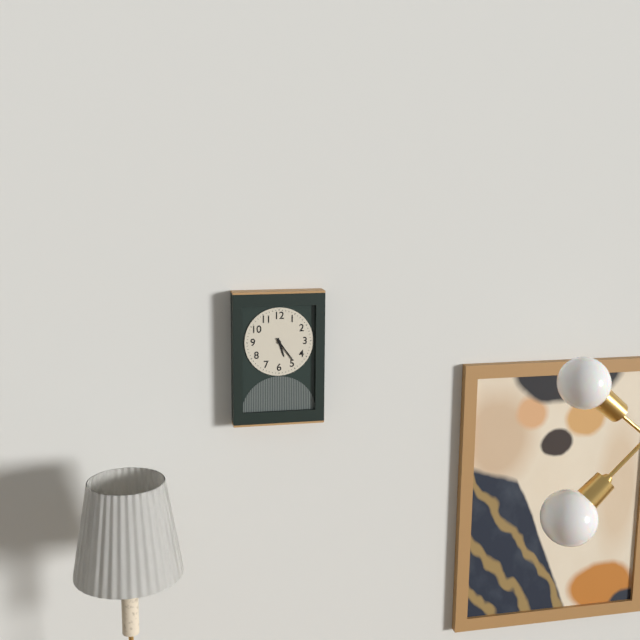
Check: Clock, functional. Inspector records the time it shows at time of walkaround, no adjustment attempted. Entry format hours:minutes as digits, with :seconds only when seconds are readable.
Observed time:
5:24
